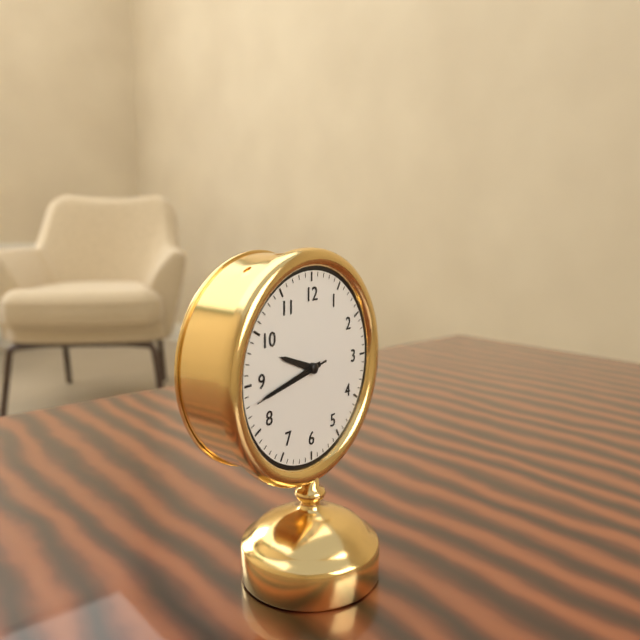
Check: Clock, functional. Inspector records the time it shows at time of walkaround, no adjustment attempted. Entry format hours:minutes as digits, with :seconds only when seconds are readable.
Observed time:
9:43:43
